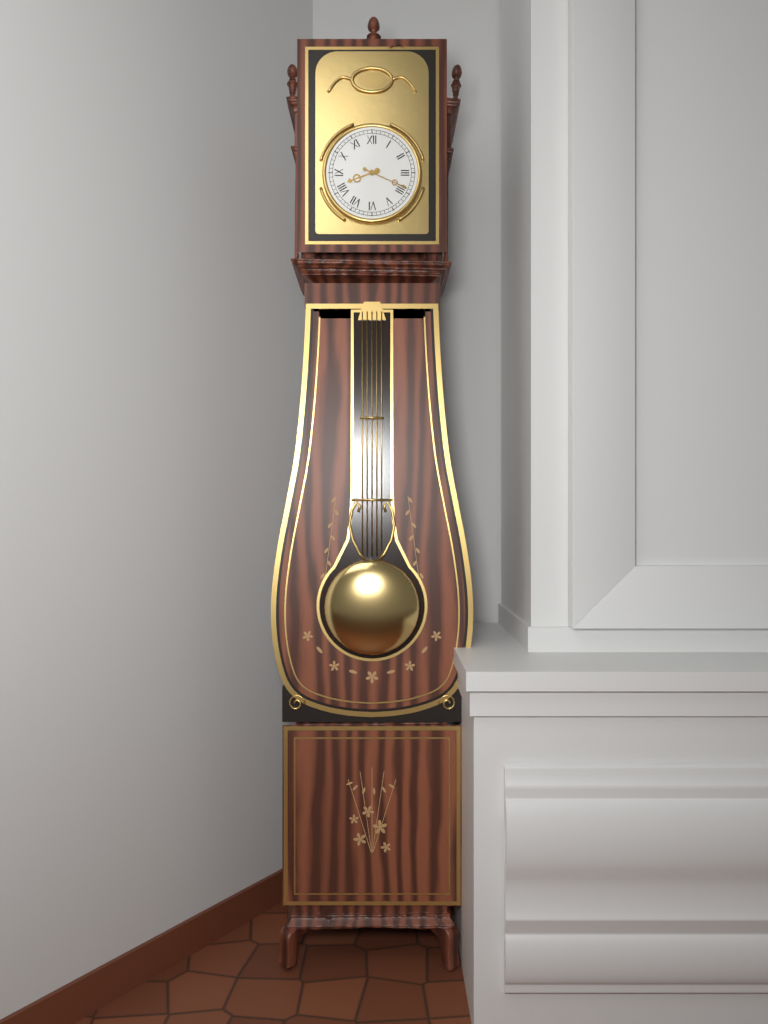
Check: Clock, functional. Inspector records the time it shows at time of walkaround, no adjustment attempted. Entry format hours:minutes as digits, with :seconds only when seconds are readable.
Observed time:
8:19
